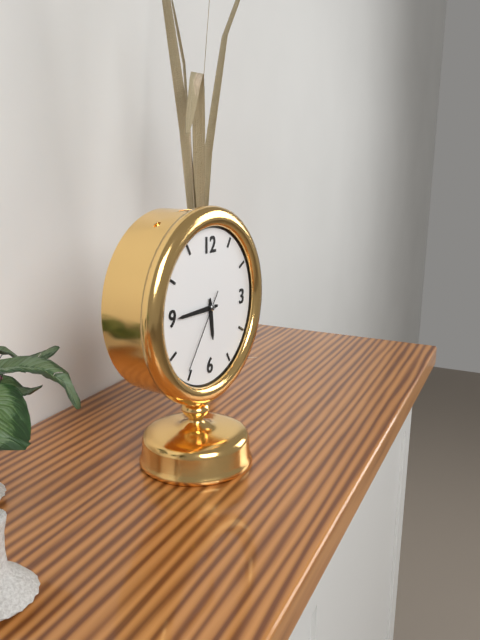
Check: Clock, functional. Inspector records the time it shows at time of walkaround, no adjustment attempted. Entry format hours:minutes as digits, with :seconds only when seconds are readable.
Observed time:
5:45:36
